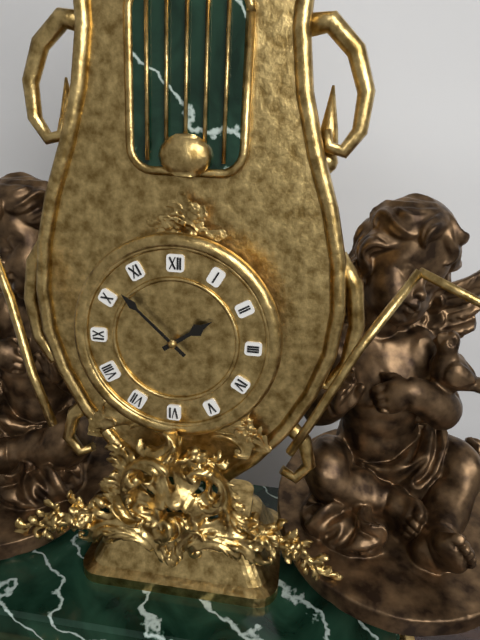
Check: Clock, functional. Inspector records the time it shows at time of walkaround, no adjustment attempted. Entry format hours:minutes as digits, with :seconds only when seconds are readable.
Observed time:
1:52
